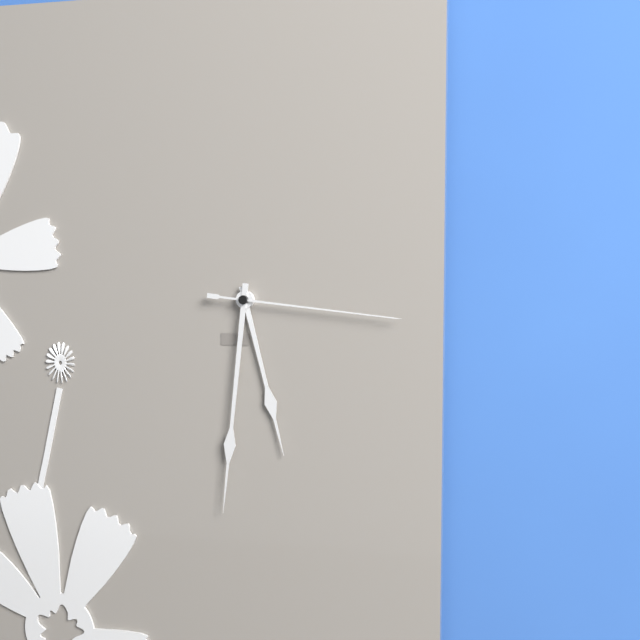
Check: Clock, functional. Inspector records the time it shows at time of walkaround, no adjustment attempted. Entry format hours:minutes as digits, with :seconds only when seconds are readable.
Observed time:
5:31:16
